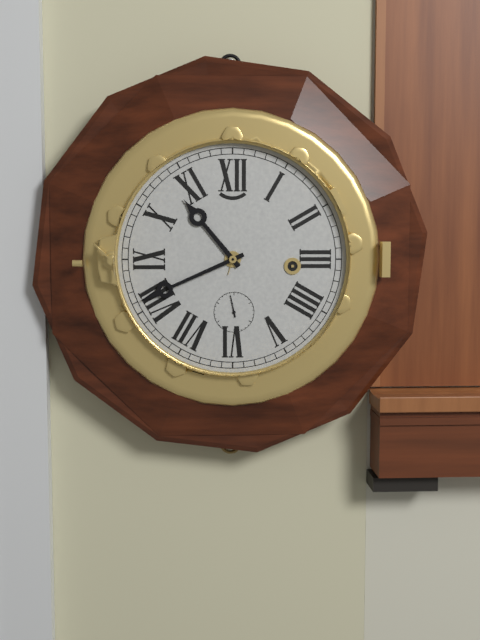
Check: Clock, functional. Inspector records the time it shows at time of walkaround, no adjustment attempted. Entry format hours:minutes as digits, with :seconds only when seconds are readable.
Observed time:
10:41
